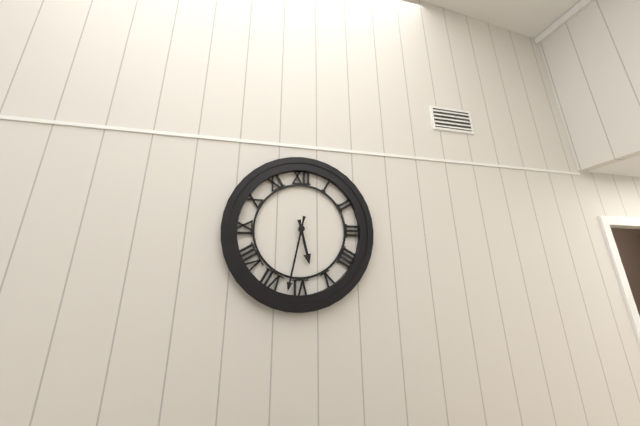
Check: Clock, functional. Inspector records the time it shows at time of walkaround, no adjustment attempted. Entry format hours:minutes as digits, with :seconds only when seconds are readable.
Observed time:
5:32
